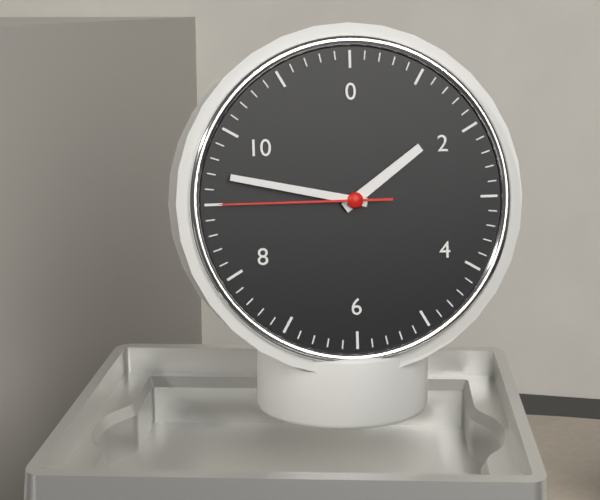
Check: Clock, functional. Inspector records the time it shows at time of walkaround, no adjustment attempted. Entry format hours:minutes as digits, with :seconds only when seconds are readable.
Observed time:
1:47:45
